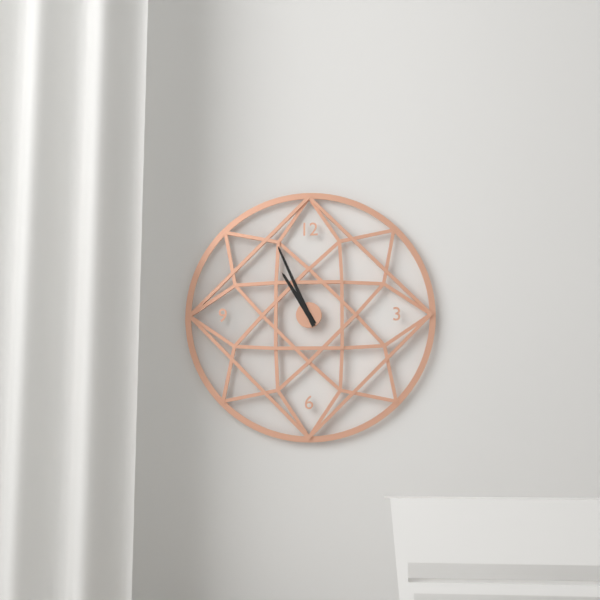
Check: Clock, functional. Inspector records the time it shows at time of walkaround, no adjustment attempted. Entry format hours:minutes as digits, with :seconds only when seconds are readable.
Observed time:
10:56
